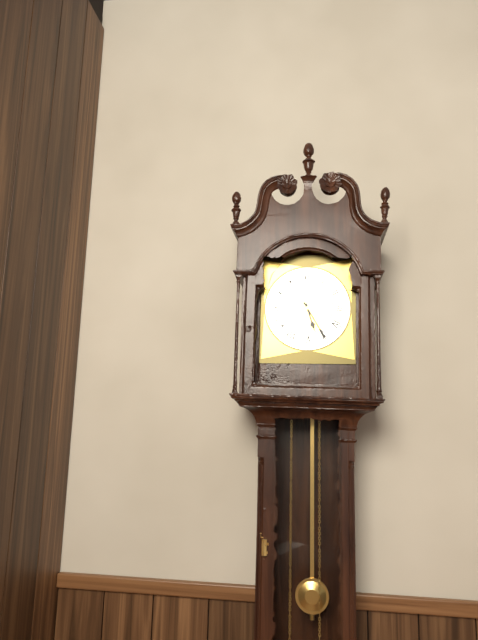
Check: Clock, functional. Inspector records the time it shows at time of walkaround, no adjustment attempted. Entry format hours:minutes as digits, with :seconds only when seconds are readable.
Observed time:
5:25
